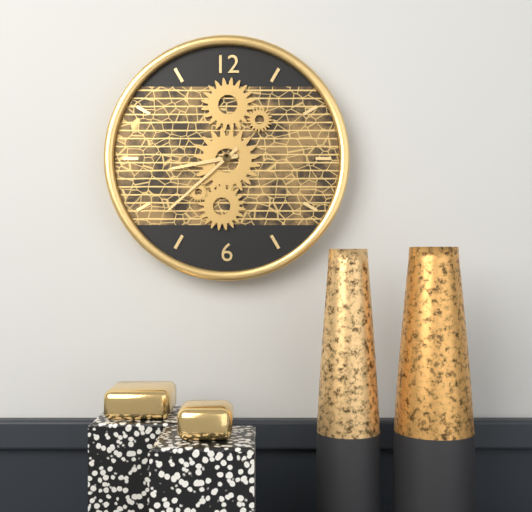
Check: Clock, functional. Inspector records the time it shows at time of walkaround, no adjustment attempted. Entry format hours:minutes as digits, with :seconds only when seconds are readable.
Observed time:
8:38
